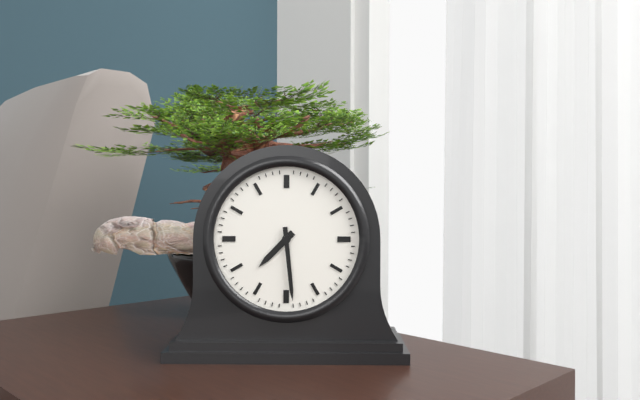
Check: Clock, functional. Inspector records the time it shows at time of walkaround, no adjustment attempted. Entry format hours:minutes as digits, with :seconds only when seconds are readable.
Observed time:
7:29
